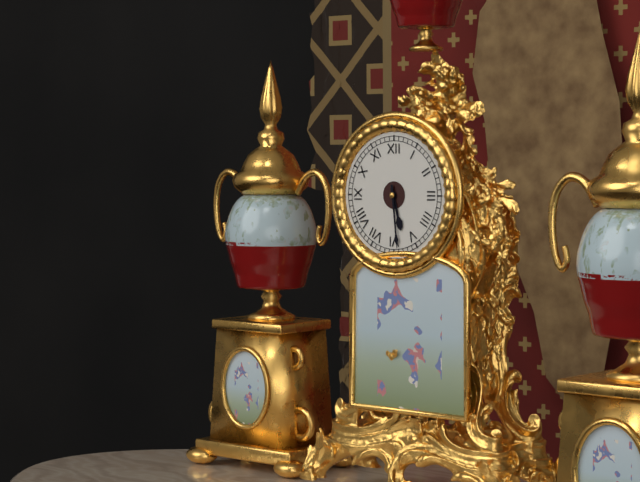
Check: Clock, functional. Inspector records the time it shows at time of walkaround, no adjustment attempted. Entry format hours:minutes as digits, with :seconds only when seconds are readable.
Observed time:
5:29
